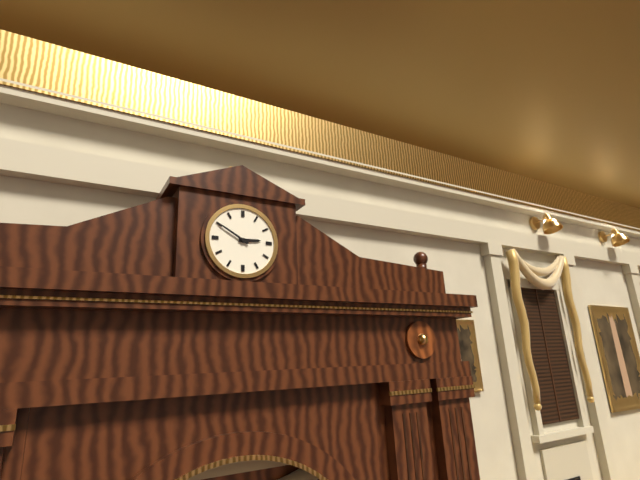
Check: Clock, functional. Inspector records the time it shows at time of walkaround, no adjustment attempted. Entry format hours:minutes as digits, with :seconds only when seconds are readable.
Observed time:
2:50
